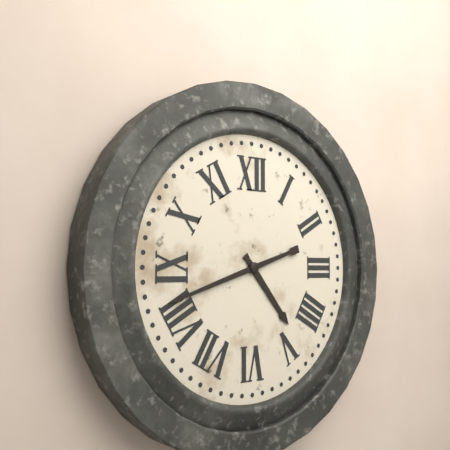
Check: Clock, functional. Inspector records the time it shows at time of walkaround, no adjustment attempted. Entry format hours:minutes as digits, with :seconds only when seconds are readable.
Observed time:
4:42
